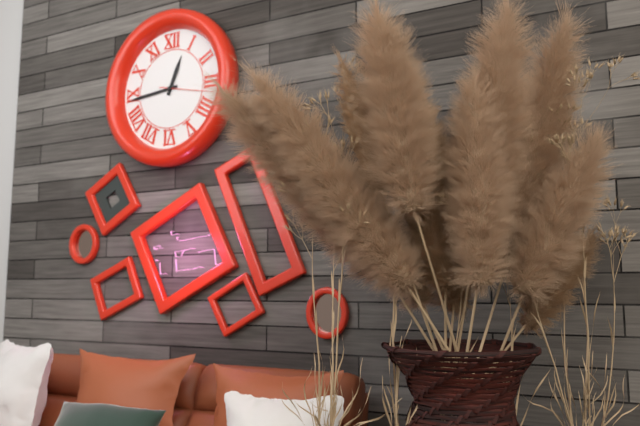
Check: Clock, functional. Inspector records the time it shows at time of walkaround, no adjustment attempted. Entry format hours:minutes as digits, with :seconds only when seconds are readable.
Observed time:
12:44
